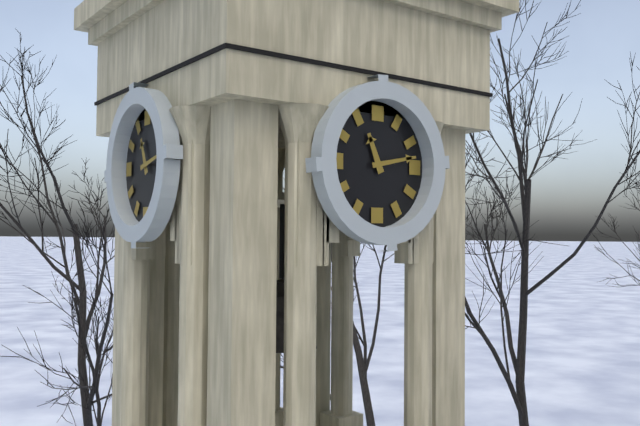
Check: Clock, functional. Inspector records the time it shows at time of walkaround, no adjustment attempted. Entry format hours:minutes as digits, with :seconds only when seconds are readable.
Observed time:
11:13
